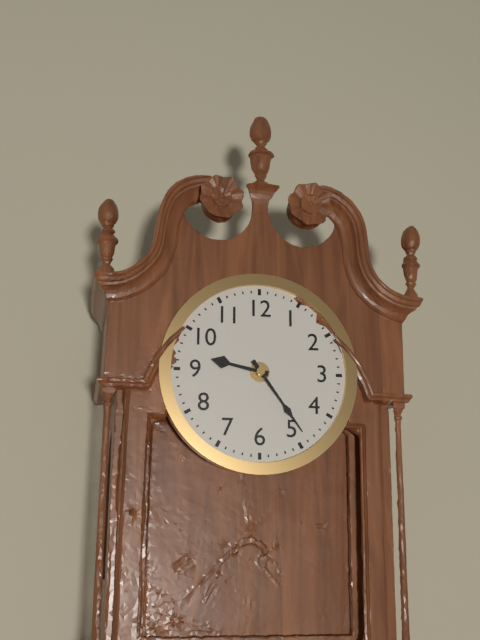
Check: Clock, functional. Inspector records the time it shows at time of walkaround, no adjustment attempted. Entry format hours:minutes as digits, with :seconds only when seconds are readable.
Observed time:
9:24
